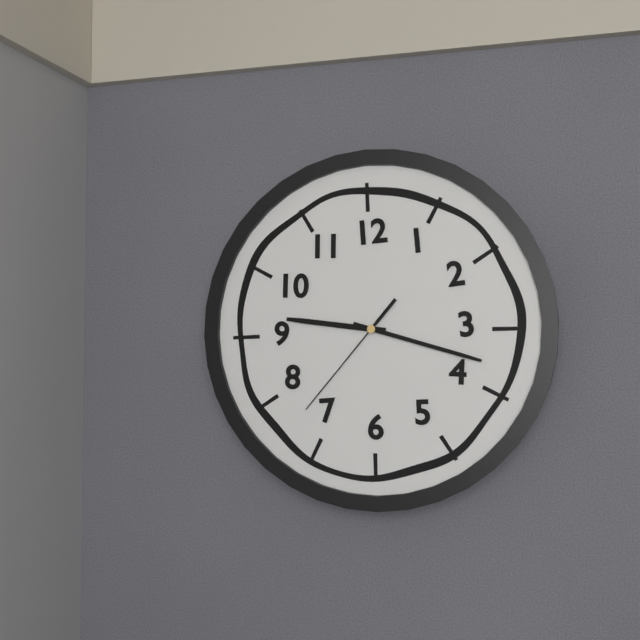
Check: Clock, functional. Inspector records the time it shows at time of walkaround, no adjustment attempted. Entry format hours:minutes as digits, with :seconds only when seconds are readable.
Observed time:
9:18:37
